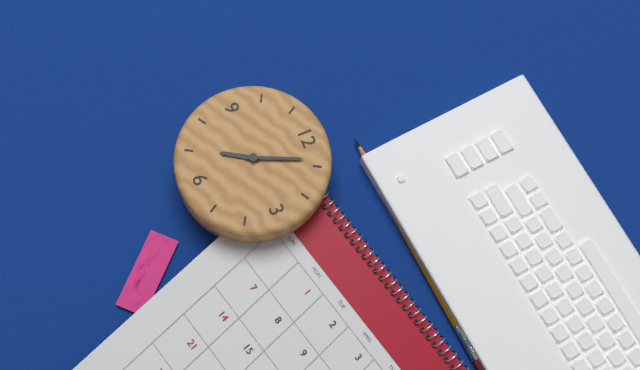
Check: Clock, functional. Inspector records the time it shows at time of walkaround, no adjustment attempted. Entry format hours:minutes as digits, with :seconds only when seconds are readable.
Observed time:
7:04
